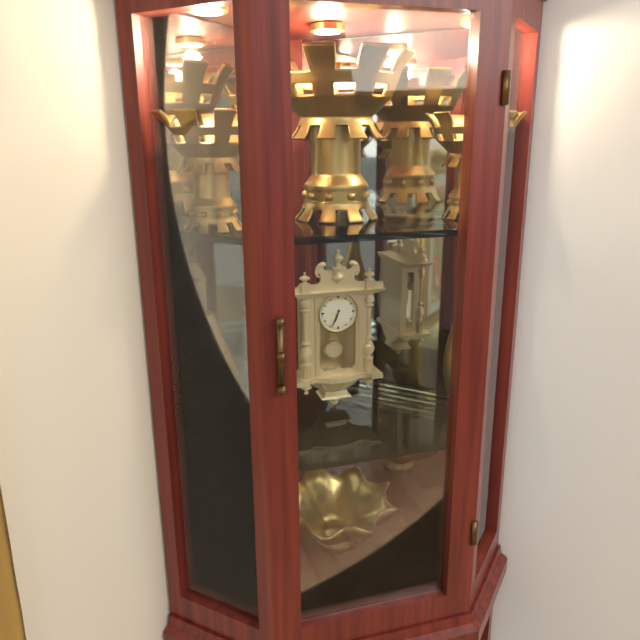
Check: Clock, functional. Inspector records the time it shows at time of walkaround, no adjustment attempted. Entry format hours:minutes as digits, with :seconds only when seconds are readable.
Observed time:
6:34
